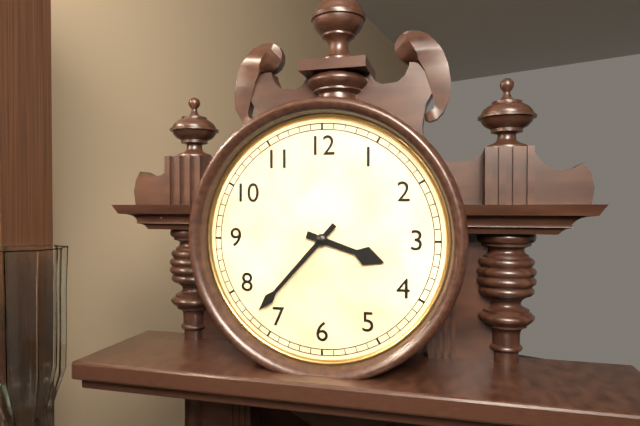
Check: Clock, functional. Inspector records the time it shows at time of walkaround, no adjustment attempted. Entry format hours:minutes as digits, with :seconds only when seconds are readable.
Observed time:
3:37
